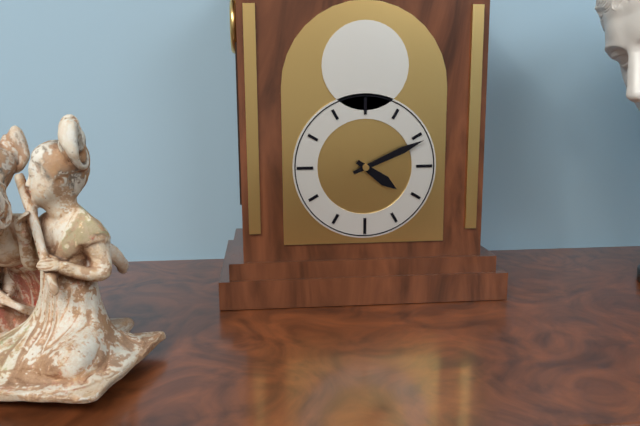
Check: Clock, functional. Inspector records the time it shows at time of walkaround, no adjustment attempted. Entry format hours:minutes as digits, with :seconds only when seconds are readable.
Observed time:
4:11
